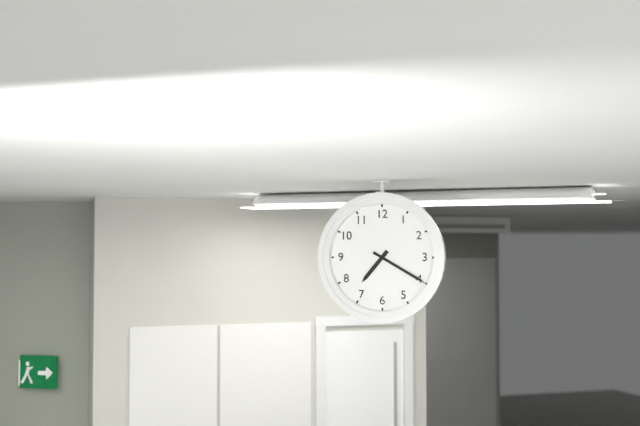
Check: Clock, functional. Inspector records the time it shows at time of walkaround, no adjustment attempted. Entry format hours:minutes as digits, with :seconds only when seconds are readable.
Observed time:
7:20
